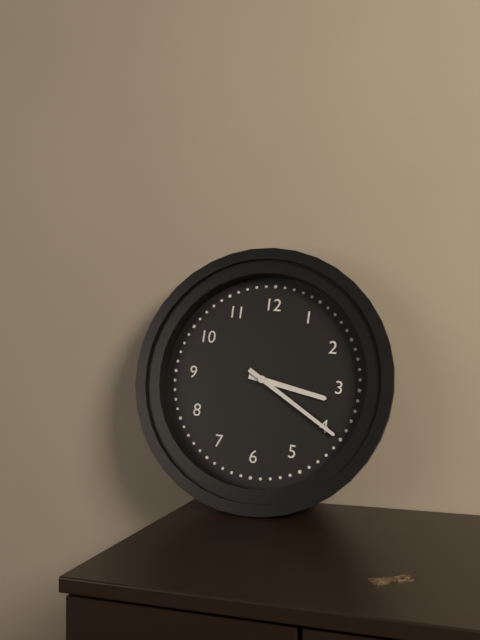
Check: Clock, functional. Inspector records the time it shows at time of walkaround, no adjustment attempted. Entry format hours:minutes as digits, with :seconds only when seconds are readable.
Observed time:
3:20
